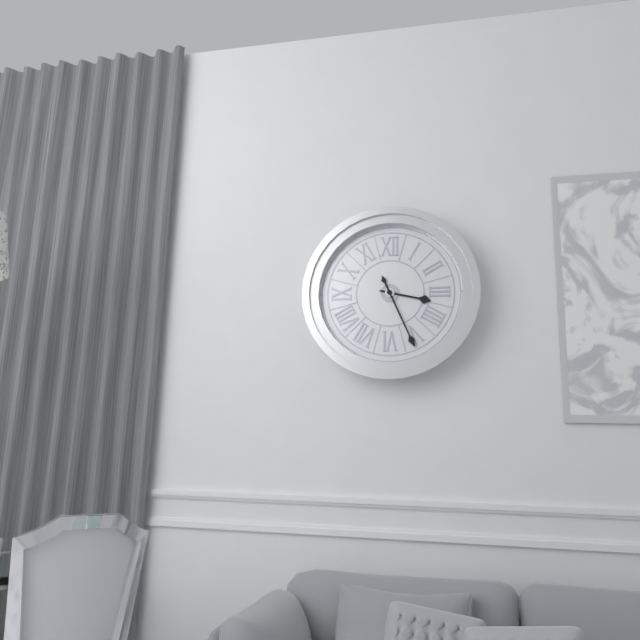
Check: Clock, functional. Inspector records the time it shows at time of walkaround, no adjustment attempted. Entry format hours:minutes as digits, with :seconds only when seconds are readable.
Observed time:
3:26
